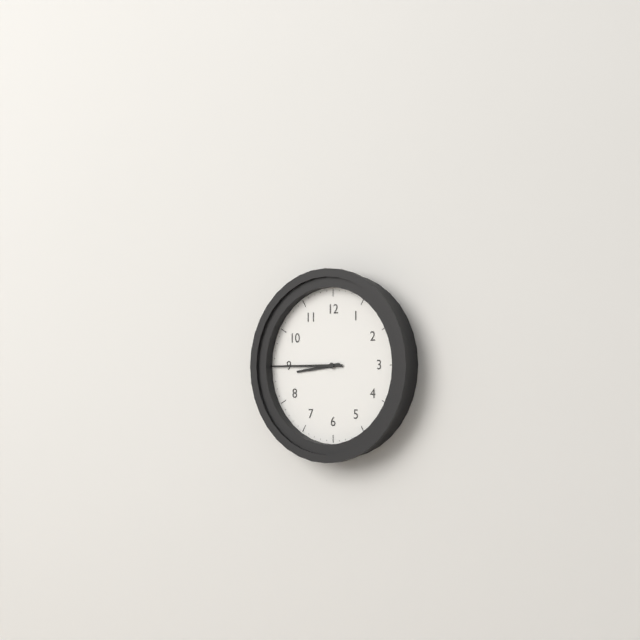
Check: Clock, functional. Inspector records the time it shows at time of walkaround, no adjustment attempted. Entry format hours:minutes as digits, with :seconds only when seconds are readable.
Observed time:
8:45
